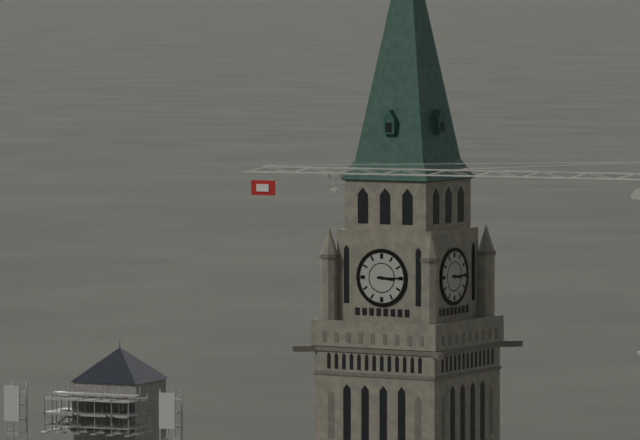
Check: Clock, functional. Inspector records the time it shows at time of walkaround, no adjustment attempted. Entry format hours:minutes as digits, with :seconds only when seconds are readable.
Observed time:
3:15
